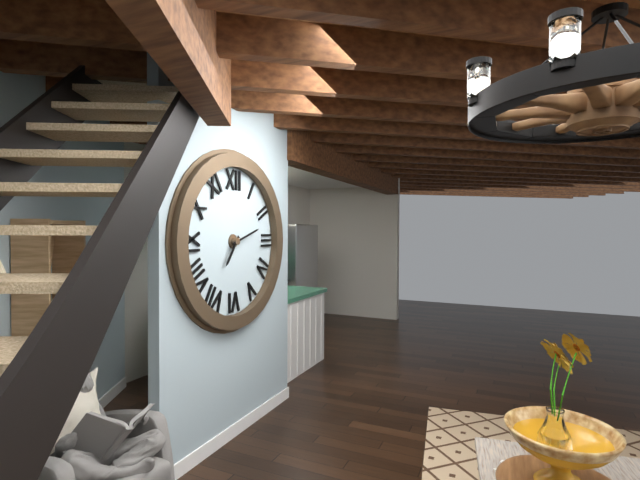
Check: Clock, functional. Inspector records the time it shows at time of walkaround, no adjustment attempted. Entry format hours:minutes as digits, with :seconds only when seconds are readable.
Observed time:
7:12
